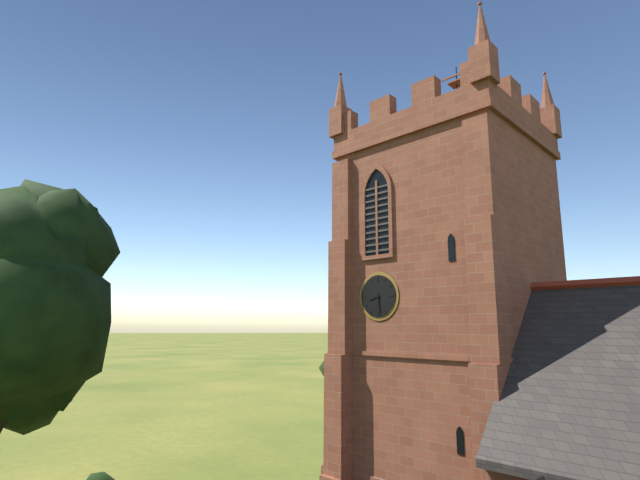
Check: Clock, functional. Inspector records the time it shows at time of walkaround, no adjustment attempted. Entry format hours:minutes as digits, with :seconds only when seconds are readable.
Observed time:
8:29
